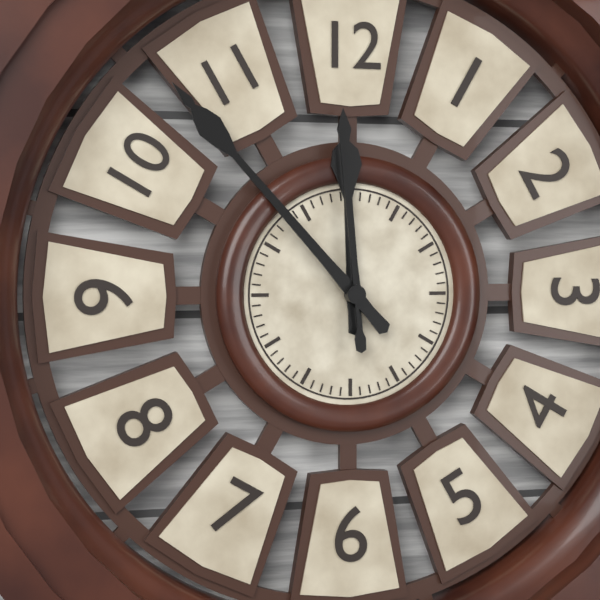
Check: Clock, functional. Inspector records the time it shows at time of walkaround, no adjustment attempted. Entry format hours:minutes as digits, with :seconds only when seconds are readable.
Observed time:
11:53:59
